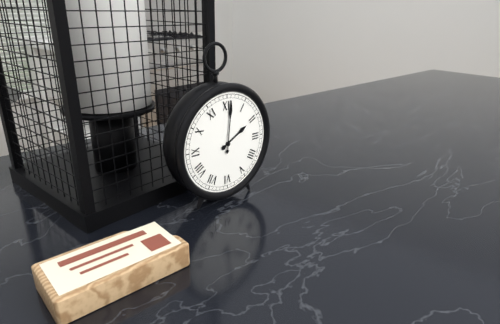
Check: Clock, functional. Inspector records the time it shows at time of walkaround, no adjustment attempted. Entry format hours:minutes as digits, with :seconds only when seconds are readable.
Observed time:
2:01
